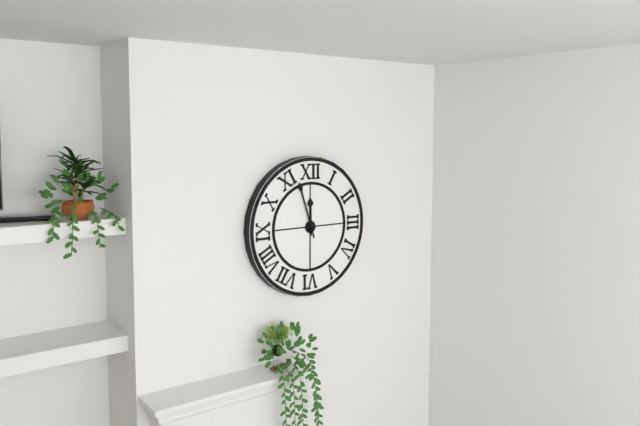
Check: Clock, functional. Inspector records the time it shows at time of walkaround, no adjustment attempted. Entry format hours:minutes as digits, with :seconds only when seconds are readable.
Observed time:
11:57
